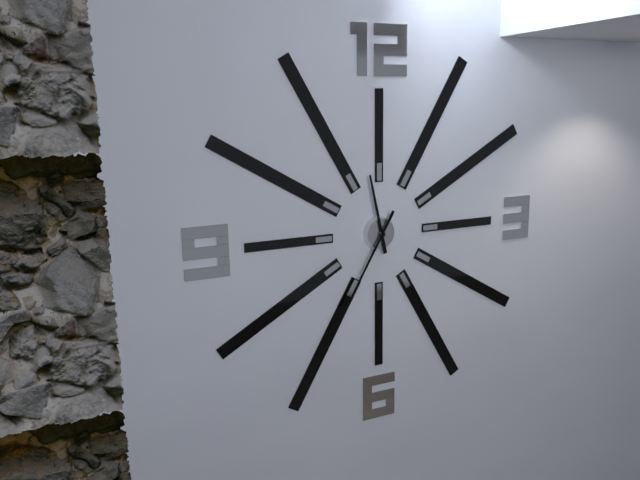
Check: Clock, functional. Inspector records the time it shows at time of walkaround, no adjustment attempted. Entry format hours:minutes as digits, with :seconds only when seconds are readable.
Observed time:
11:35
